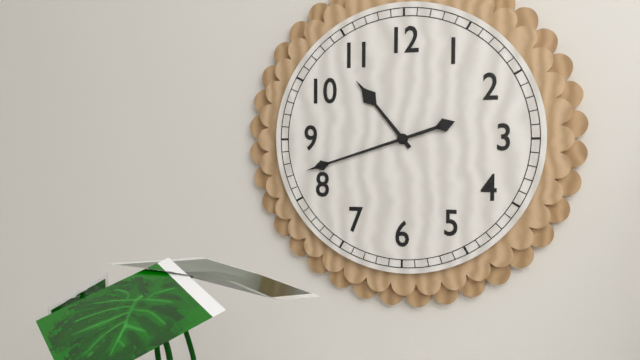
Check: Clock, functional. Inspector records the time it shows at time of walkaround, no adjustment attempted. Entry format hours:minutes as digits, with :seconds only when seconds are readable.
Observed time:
10:42
